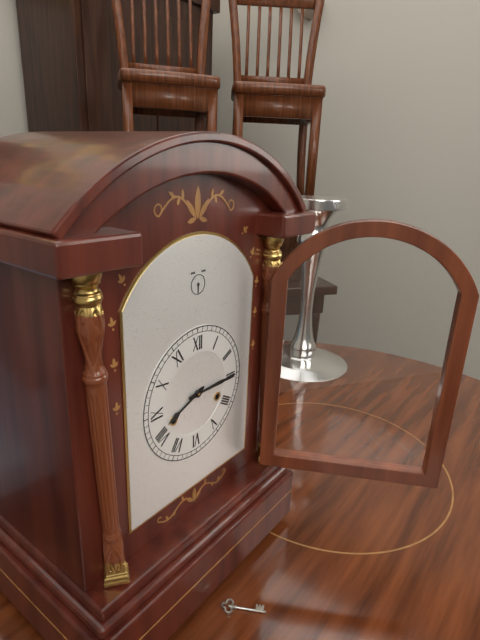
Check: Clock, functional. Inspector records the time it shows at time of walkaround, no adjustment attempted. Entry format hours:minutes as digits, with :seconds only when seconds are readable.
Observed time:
8:15
